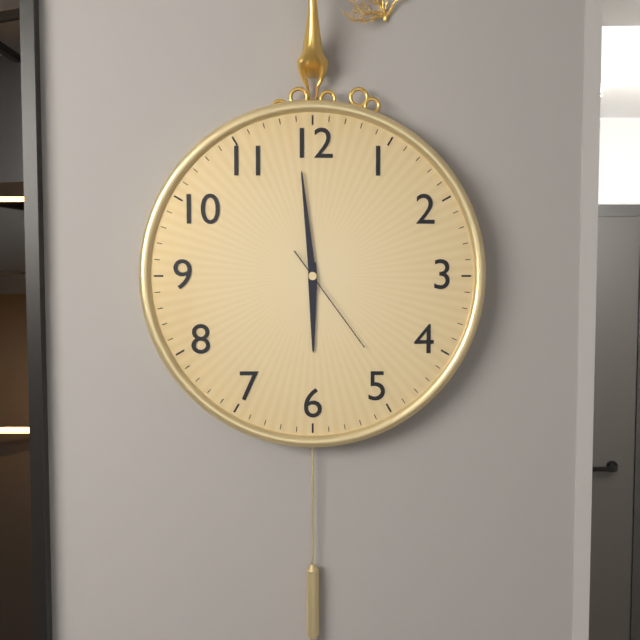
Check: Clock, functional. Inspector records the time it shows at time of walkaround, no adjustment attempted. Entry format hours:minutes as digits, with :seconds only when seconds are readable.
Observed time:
5:59:24
